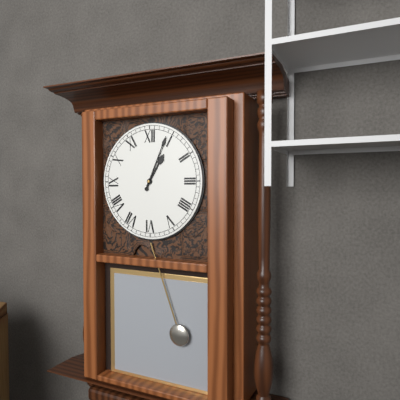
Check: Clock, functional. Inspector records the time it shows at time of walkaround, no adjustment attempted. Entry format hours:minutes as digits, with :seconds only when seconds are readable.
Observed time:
1:04
